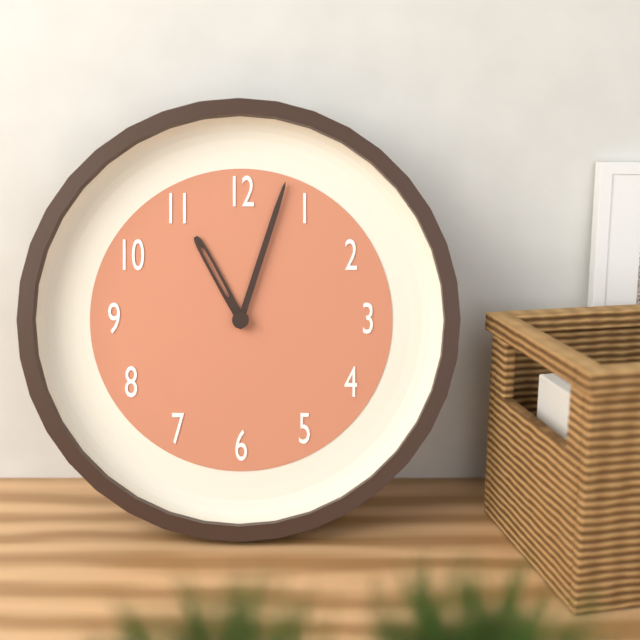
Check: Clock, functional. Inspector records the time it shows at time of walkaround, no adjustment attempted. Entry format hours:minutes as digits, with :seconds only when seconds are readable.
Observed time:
11:03
